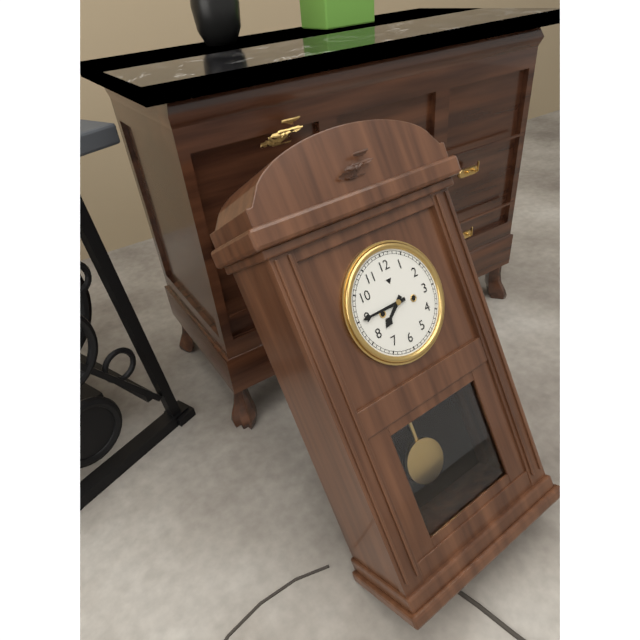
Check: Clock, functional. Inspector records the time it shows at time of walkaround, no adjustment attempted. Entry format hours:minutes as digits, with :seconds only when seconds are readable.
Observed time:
7:45
